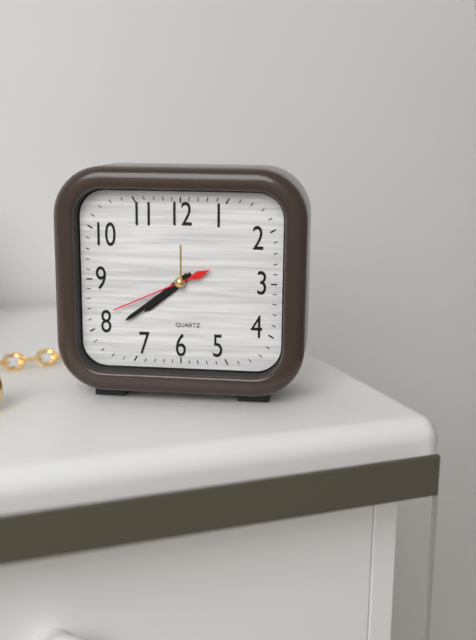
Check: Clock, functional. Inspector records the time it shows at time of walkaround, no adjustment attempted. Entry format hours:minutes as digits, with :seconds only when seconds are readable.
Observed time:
7:39:41
